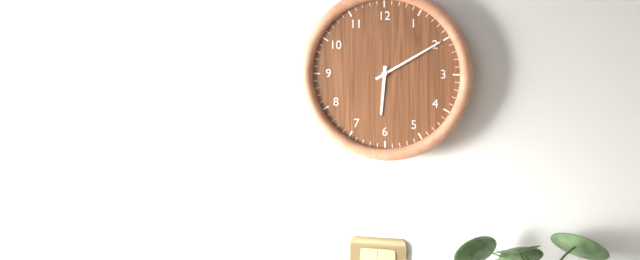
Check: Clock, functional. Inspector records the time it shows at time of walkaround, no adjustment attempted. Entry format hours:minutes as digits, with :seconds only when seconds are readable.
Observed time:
6:10
